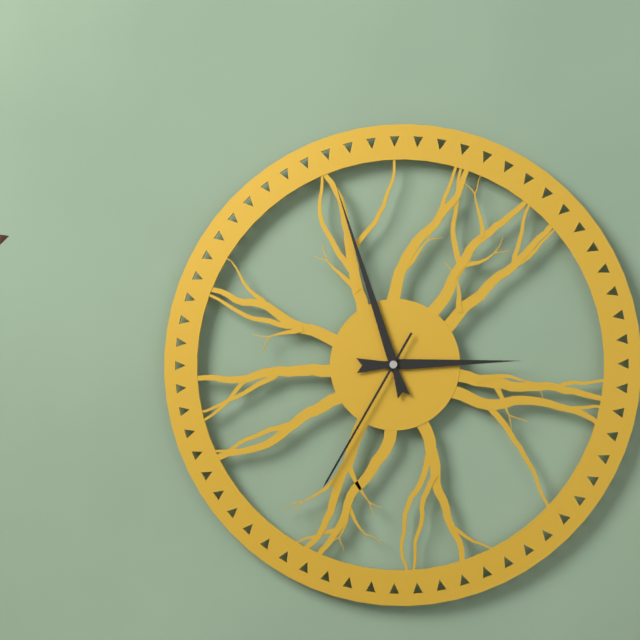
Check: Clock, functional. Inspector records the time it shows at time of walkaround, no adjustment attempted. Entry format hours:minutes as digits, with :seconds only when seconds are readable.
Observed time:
2:57:35
